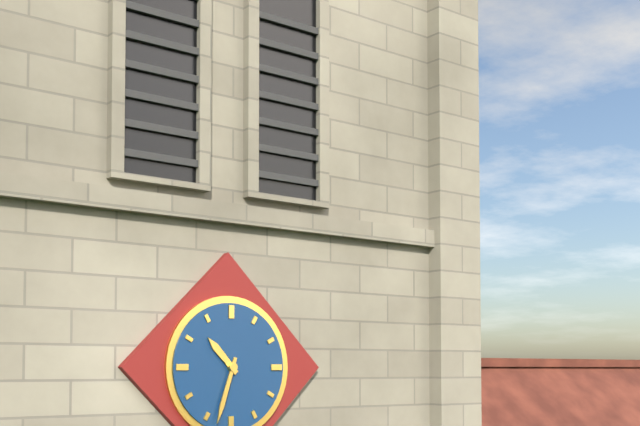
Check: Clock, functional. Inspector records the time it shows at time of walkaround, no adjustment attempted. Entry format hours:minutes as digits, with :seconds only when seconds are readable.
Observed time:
10:33
